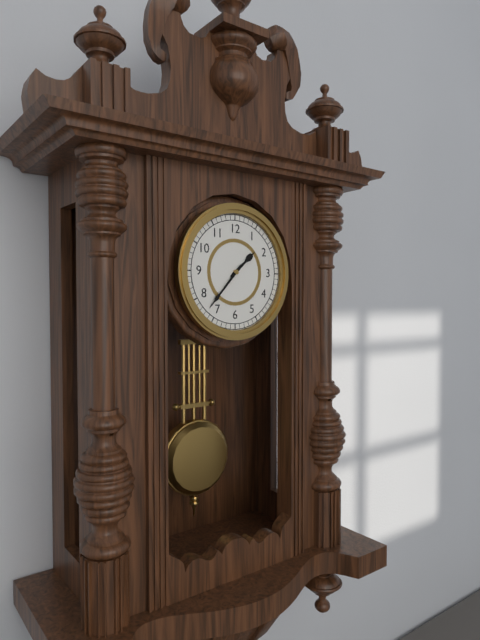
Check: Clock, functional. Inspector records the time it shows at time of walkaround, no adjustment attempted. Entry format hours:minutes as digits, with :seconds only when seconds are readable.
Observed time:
1:37
